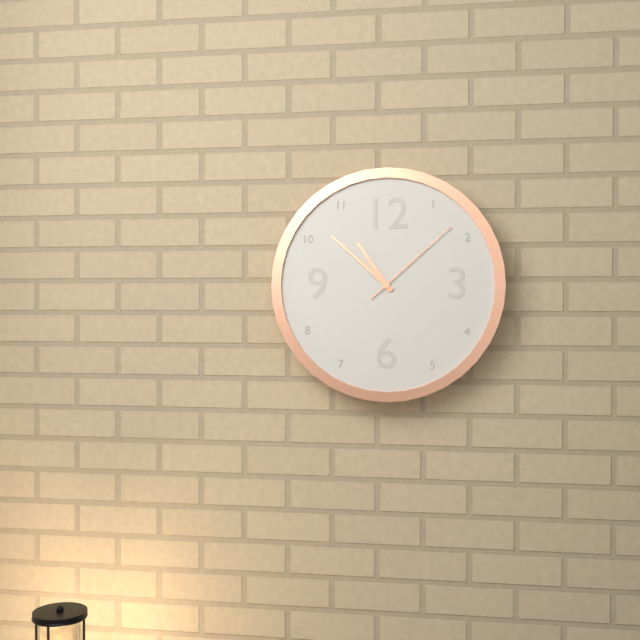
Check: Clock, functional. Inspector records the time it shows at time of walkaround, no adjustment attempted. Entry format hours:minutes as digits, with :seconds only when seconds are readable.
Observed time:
10:52:08
